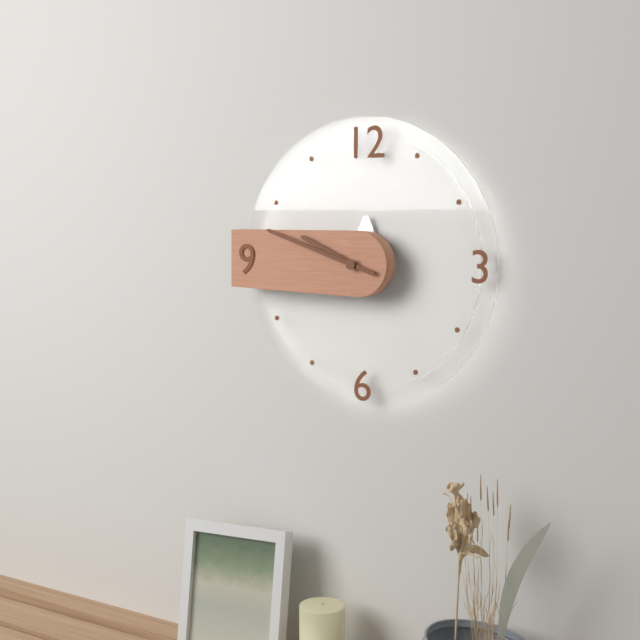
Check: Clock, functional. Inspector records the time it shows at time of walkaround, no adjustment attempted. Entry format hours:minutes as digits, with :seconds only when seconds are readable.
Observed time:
9:48
